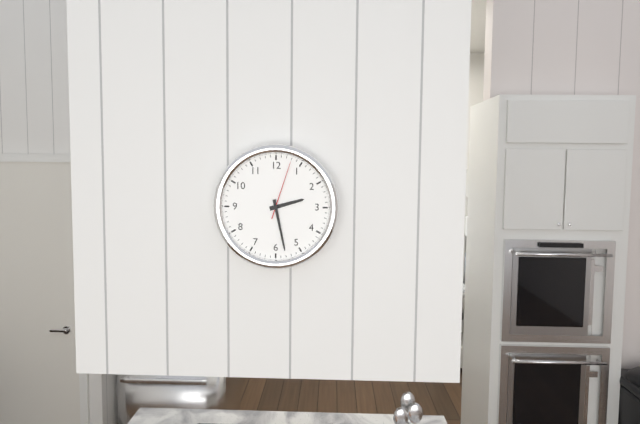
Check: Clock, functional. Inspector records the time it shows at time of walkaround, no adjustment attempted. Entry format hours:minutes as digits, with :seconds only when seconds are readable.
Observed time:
2:28:03
